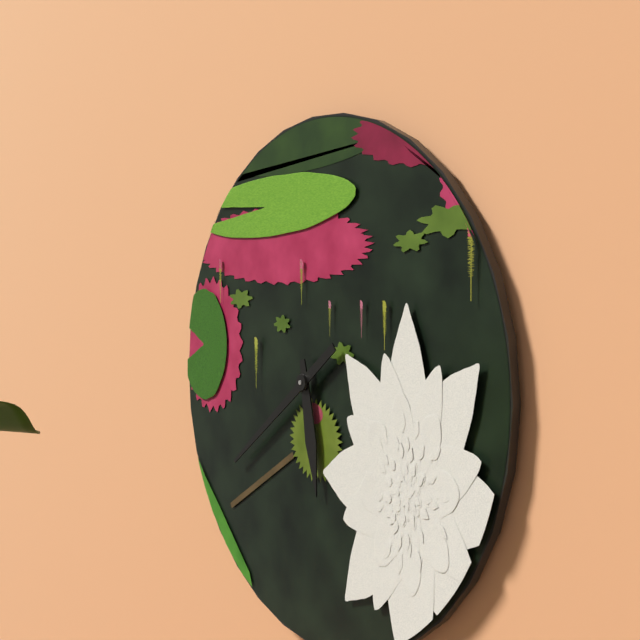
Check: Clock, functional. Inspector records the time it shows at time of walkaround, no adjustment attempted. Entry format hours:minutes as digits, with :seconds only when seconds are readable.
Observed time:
5:39
